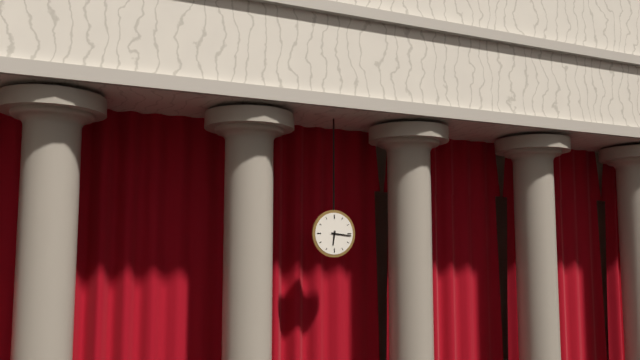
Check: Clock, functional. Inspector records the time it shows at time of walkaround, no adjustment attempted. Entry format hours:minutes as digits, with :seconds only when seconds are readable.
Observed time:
6:16
